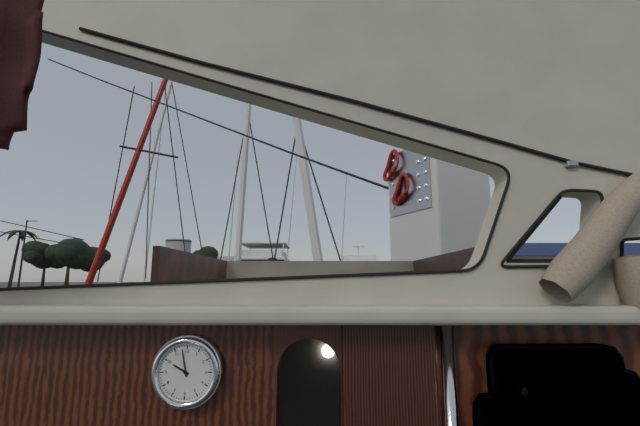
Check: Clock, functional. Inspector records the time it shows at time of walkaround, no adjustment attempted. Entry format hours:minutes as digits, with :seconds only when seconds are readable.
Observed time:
9:58
